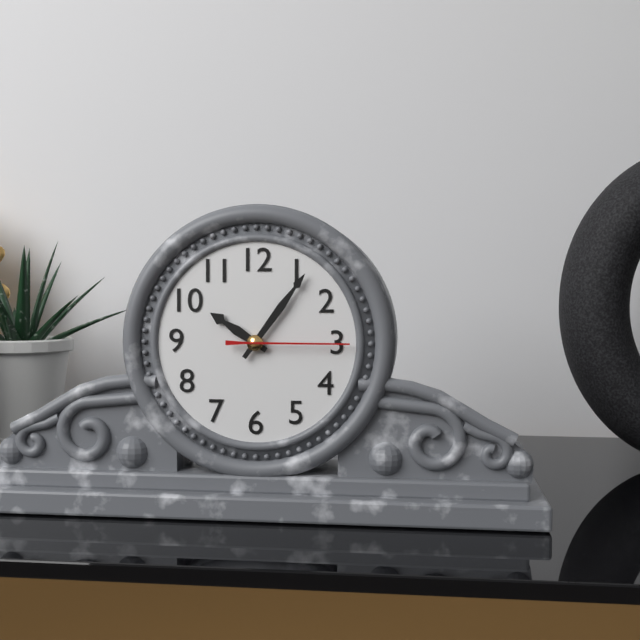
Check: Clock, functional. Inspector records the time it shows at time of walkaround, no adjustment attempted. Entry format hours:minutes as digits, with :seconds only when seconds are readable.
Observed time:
10:06:15
